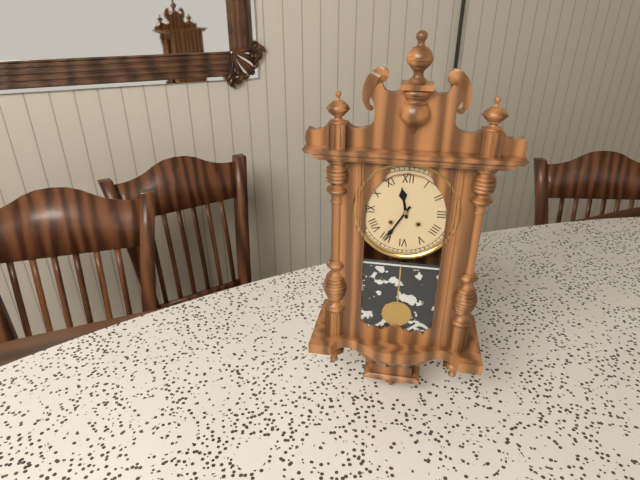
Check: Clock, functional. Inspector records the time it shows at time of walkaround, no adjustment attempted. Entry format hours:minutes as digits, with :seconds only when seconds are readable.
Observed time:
11:35
